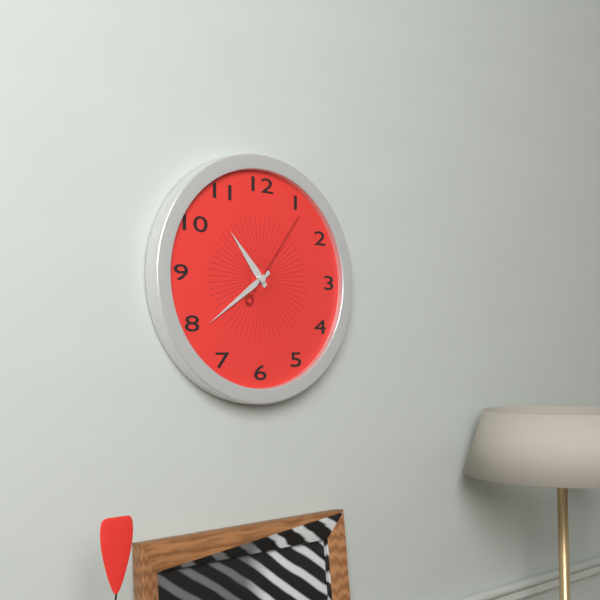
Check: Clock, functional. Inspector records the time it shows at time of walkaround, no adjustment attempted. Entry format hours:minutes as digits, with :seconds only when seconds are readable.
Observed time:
10:39:06
